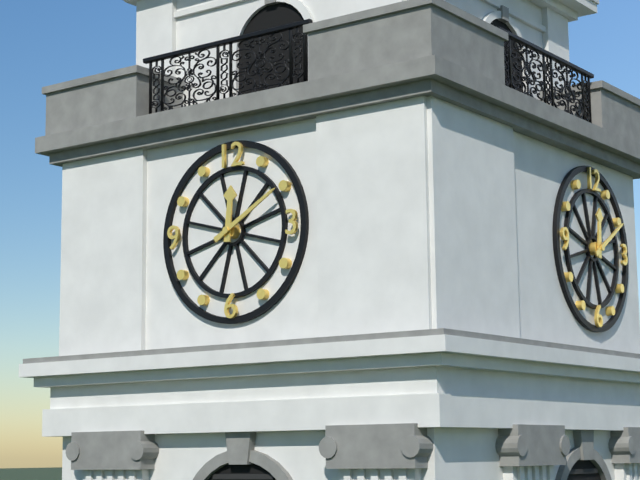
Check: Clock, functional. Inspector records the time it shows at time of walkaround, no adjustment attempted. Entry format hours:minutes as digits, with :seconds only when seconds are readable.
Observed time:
12:10
